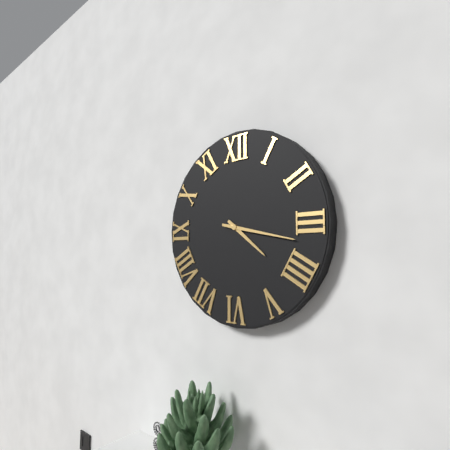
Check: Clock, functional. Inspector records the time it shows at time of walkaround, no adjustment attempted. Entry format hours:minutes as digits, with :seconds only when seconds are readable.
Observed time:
4:17
